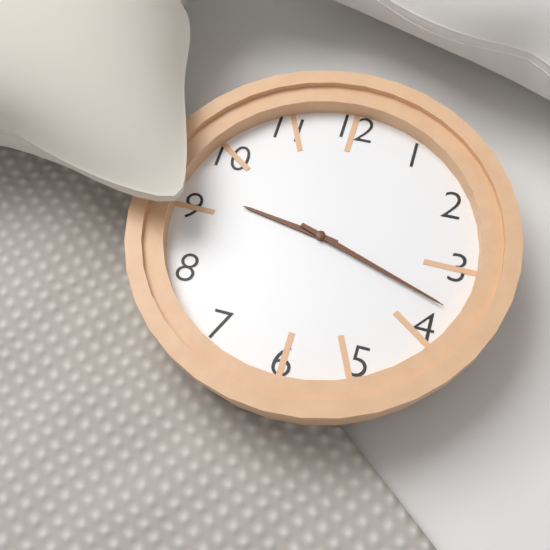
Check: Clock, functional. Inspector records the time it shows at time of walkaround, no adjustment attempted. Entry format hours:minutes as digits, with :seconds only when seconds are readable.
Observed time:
9:18
